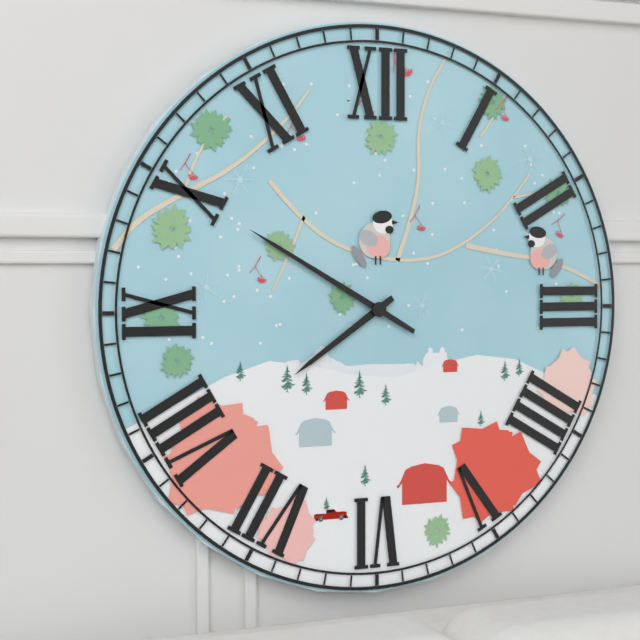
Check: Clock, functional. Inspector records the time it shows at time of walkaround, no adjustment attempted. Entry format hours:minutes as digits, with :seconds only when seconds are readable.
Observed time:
7:50
